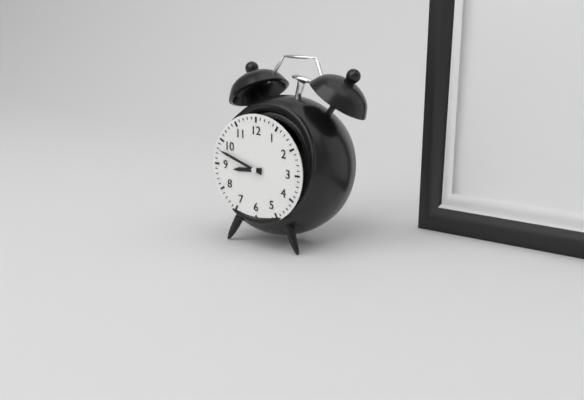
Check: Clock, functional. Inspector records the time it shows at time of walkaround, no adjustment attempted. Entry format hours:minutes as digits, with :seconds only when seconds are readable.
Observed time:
8:48
